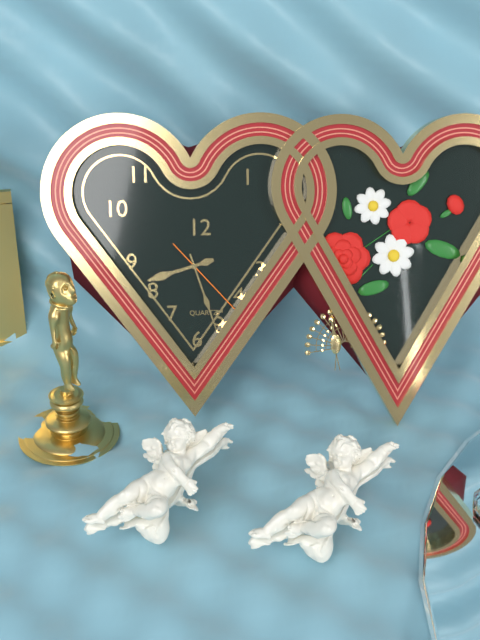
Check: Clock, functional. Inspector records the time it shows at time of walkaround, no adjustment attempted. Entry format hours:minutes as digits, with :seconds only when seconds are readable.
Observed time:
8:27:23
